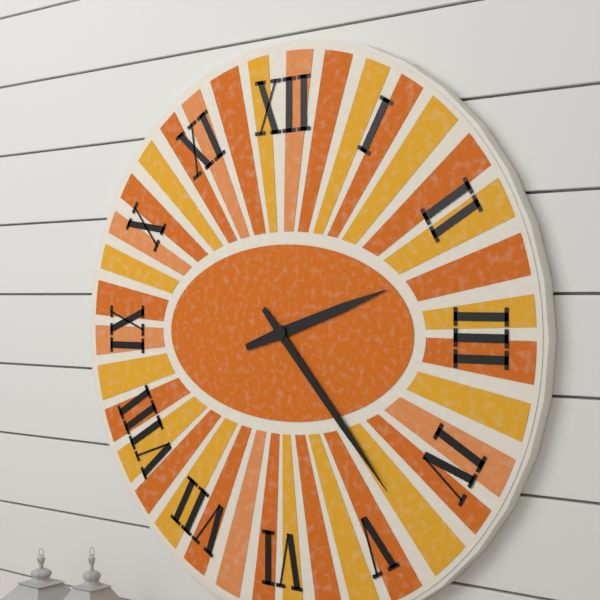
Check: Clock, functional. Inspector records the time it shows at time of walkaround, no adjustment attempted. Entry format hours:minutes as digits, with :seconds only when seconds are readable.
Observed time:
2:23
